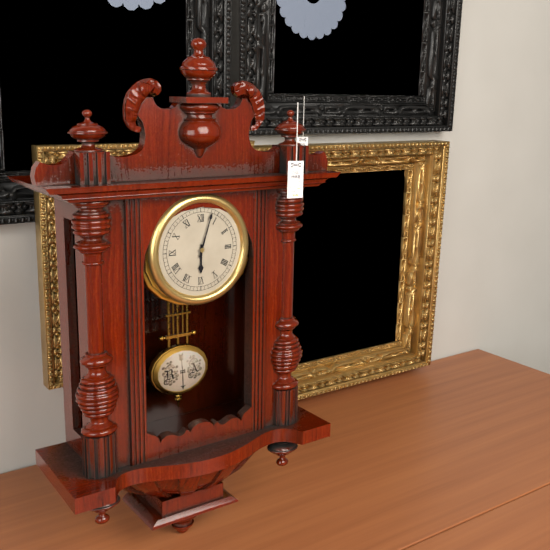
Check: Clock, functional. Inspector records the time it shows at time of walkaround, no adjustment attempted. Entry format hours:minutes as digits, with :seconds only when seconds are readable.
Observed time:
6:03
